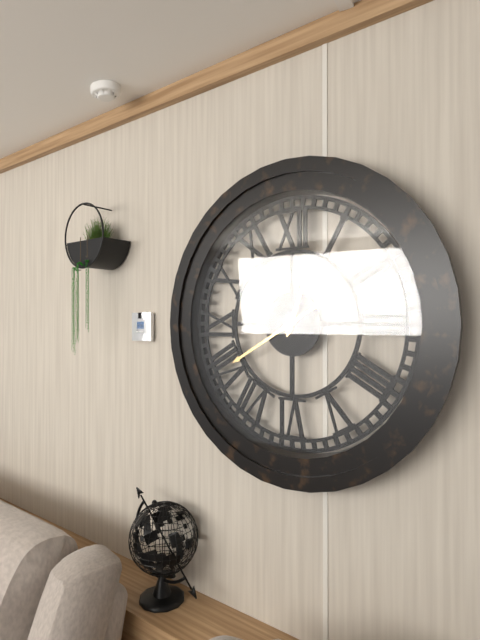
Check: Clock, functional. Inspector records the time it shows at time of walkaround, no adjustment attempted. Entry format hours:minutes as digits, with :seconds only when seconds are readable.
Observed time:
12:40
